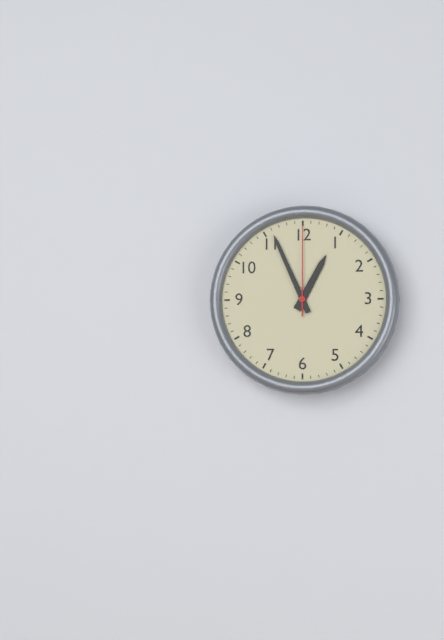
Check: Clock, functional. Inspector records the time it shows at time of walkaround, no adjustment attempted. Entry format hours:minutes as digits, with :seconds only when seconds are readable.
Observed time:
12:56:00
